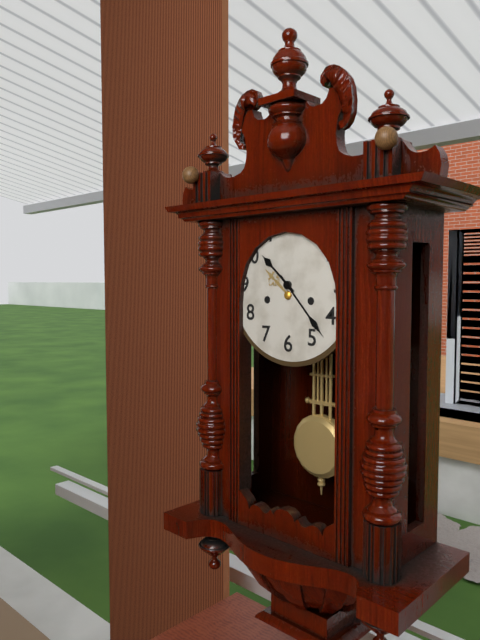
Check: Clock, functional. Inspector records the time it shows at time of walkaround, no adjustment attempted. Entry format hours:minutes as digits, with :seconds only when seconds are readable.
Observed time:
10:23
